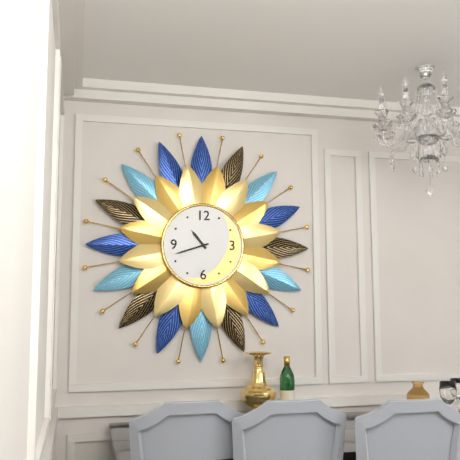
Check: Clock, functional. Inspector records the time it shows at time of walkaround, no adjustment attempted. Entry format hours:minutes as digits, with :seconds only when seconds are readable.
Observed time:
10:42
